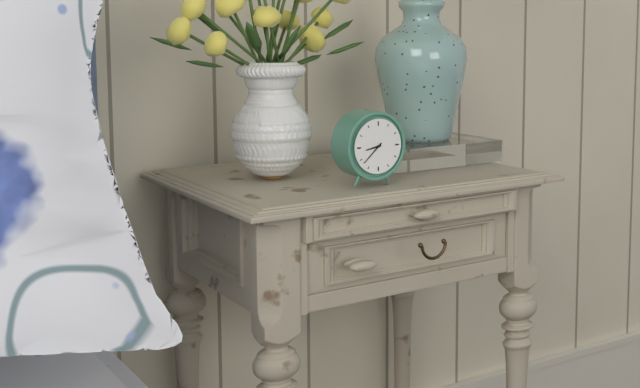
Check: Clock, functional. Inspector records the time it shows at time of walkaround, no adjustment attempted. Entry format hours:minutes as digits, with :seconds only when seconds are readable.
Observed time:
8:38
